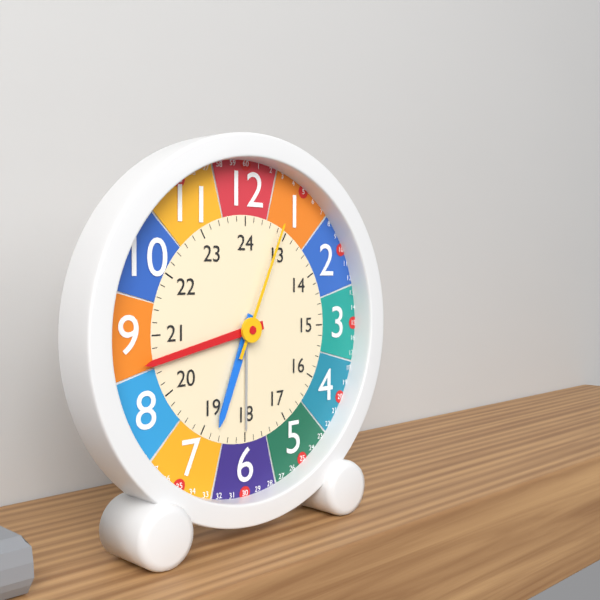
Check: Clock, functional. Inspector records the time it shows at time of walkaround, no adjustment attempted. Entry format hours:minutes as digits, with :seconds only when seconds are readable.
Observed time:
6:43:04
